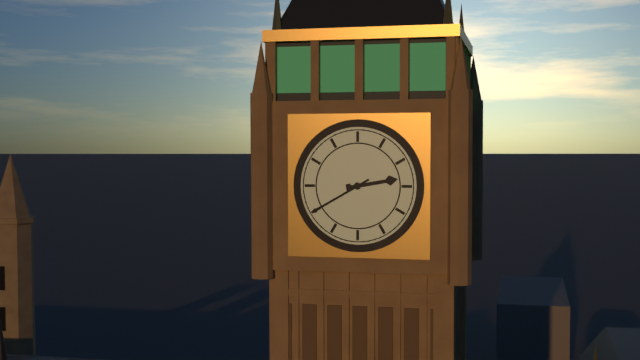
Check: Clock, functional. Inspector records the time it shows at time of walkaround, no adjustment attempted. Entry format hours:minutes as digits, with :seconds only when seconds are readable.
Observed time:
2:40
